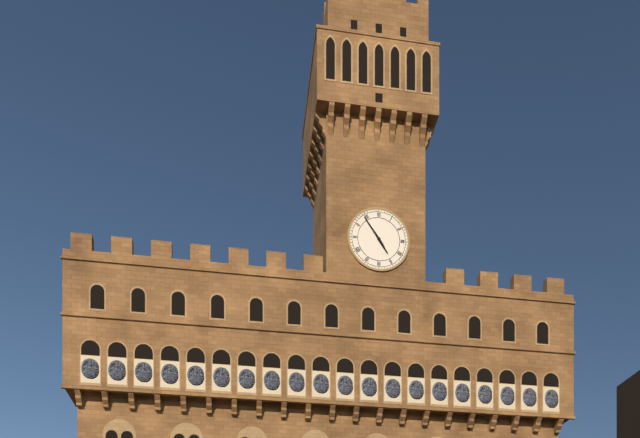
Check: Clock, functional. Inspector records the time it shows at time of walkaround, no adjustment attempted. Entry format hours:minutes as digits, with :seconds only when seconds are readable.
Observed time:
4:54
